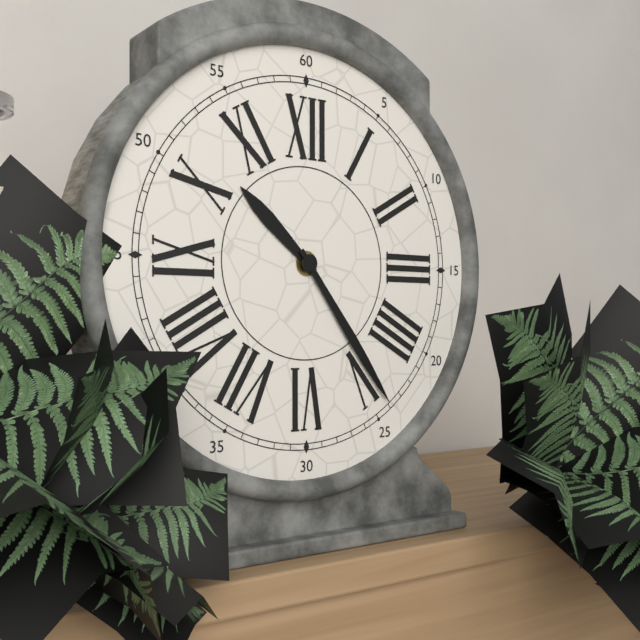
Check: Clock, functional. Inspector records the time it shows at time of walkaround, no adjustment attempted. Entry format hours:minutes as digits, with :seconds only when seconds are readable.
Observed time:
10:24
